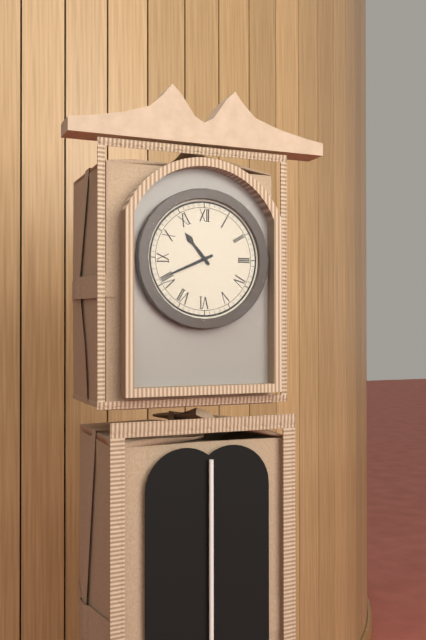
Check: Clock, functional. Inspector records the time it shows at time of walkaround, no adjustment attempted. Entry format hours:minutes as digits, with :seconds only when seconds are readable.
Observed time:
10:41
